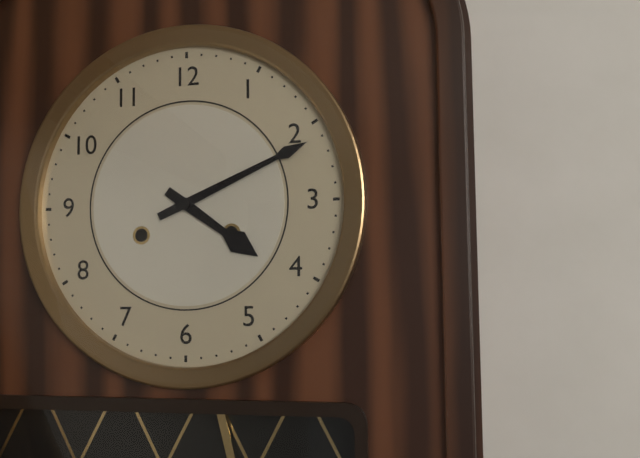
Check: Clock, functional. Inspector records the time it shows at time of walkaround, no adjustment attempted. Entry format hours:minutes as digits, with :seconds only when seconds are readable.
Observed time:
4:11
